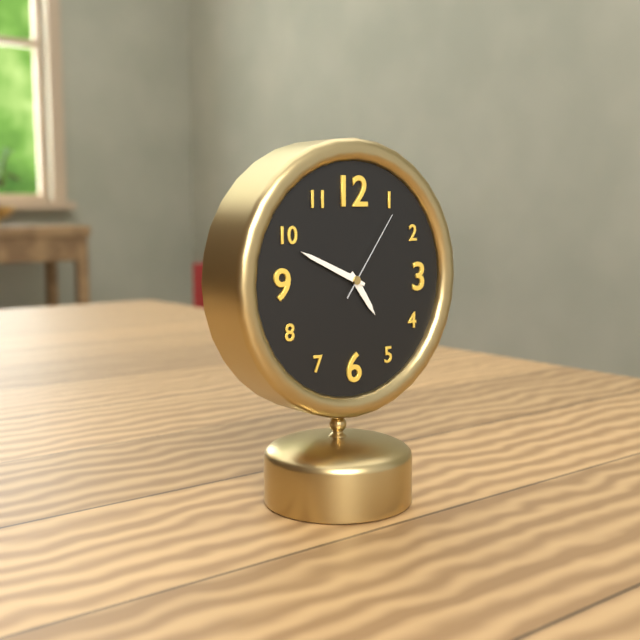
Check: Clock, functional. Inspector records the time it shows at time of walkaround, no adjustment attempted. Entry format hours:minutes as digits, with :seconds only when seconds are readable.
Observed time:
4:49:06
